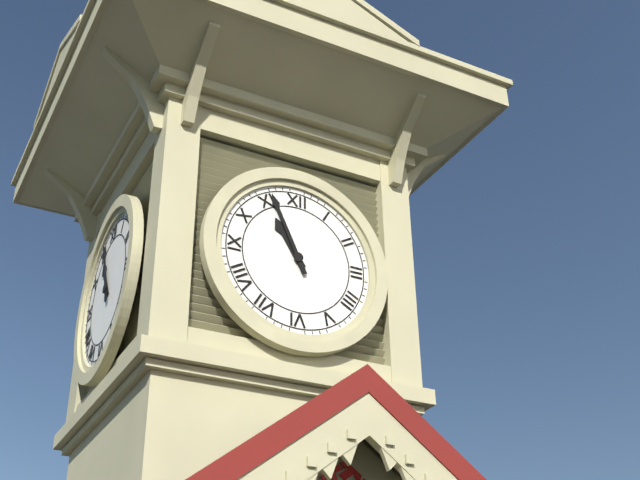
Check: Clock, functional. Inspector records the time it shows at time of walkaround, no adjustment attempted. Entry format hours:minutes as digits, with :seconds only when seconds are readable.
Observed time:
10:56
